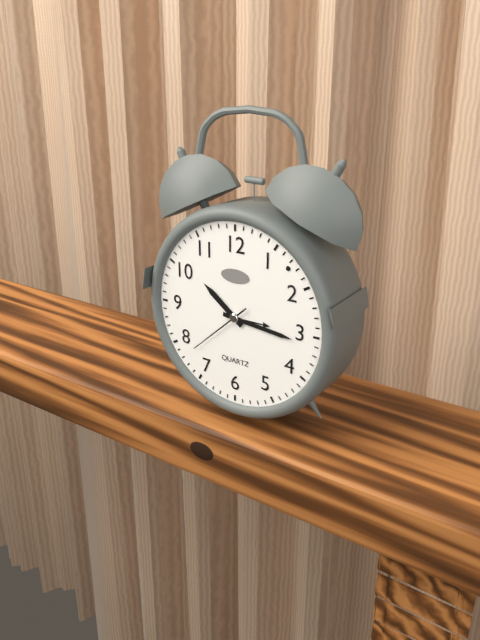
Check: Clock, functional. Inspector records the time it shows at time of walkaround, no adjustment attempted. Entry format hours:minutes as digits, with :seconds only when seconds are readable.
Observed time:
10:16:38
